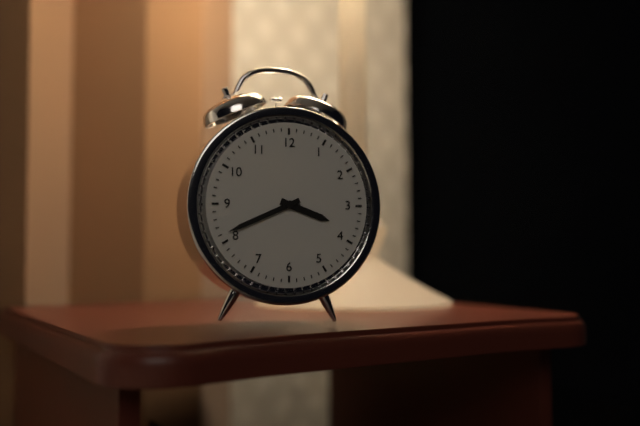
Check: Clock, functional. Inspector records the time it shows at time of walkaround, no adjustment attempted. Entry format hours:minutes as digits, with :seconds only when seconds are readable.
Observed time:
3:41
